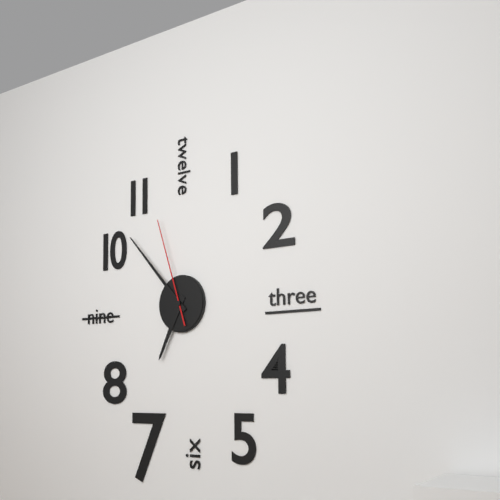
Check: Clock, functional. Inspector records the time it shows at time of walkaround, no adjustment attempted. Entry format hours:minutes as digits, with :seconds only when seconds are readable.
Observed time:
6:53:57
